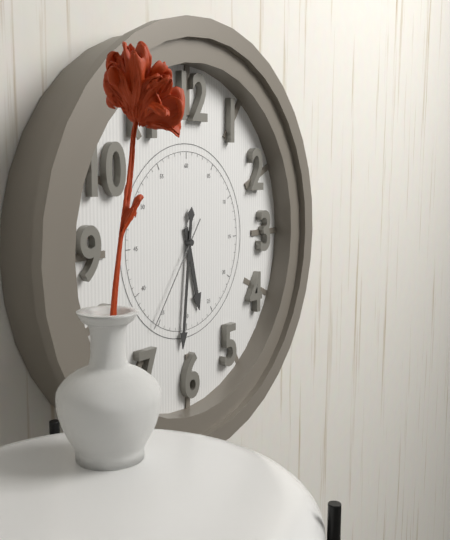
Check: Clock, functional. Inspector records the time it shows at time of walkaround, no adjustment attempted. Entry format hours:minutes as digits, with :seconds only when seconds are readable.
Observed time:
5:31:36
